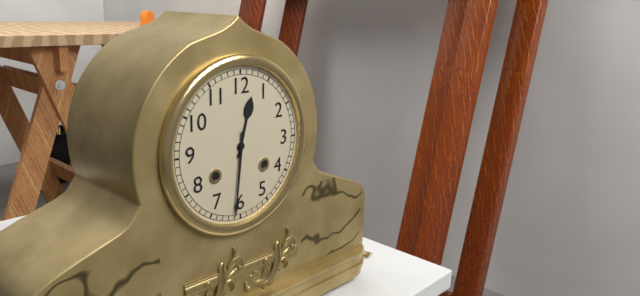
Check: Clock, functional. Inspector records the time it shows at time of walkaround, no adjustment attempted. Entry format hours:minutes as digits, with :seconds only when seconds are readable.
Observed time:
12:31
